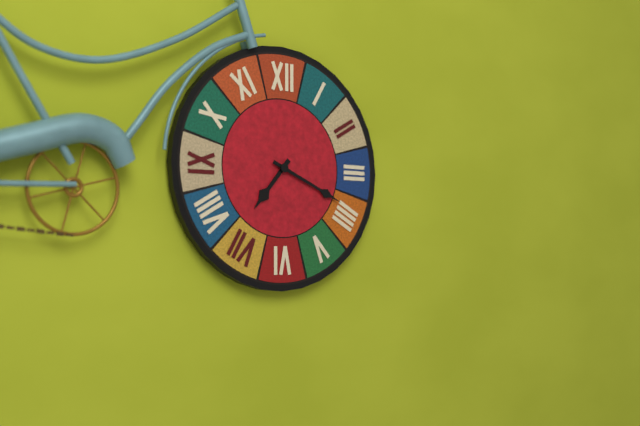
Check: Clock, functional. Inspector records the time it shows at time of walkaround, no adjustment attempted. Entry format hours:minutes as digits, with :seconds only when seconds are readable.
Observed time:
7:19
